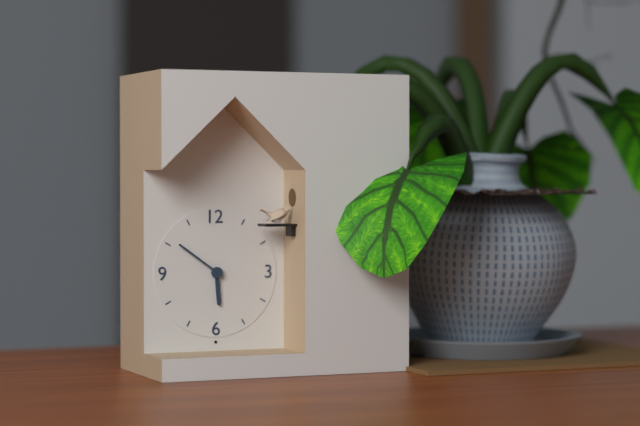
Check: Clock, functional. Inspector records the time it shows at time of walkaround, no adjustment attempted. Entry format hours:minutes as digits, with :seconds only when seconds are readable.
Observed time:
5:51
